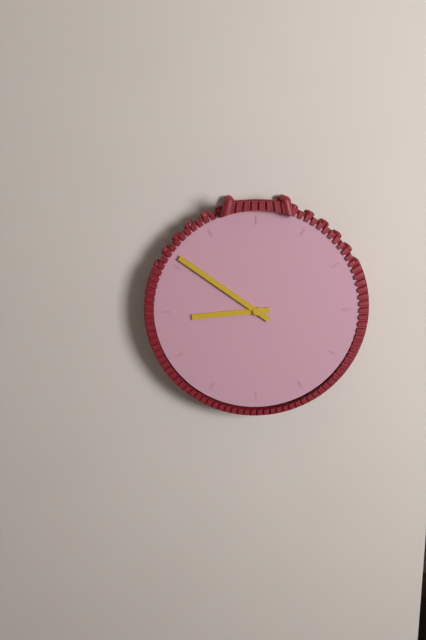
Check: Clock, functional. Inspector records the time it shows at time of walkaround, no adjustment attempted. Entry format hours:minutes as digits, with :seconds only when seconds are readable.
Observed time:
8:51
